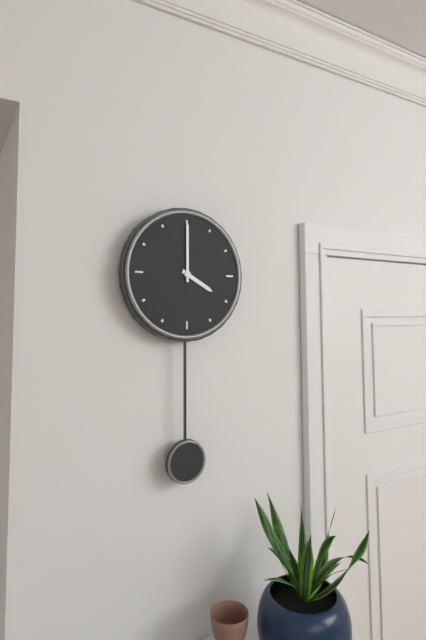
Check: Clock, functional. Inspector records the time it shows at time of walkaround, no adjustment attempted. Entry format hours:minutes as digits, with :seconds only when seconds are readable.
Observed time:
4:00
